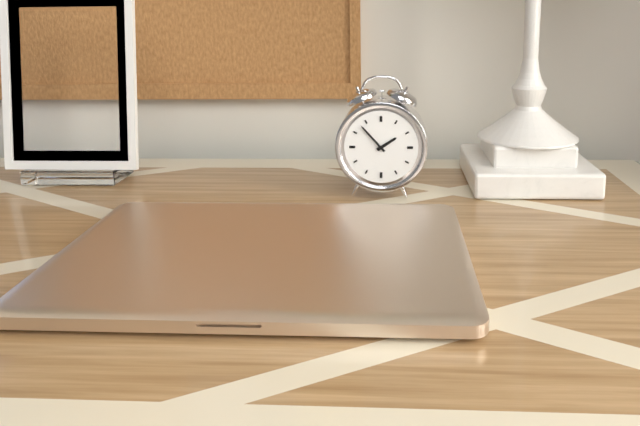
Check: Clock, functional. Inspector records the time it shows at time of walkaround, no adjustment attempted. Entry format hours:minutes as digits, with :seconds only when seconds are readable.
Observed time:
1:53
